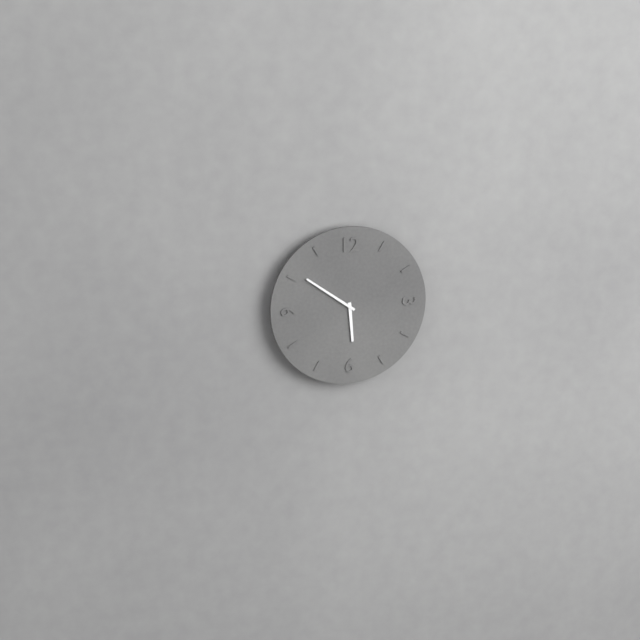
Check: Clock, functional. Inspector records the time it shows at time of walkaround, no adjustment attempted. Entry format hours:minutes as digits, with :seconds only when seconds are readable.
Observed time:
5:51
